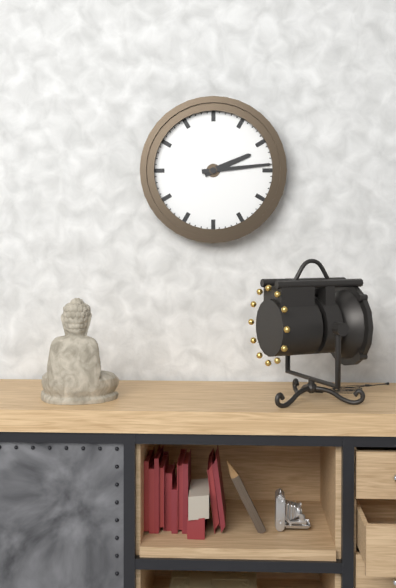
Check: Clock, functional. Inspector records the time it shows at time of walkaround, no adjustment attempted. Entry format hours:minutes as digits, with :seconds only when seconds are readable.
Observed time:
2:14
